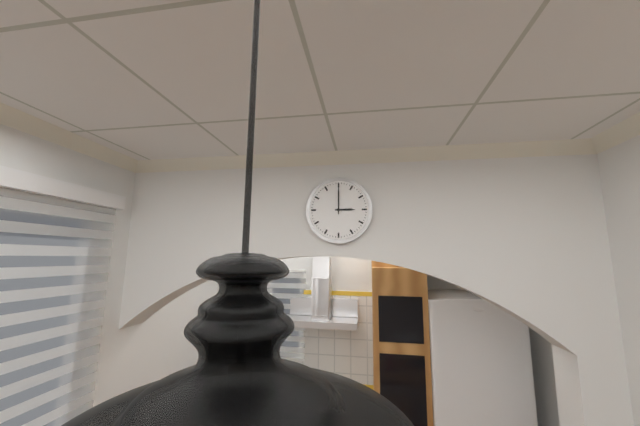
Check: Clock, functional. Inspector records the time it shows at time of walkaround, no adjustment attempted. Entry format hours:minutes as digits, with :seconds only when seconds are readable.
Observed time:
3:00
